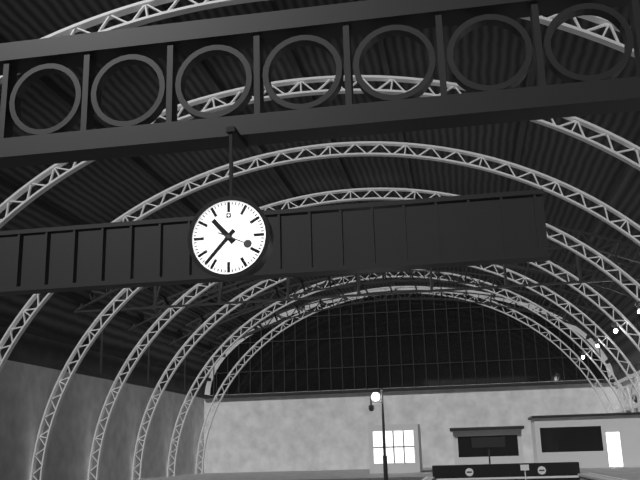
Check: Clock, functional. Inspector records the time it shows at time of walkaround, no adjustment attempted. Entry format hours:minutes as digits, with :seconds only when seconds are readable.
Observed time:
10:37
